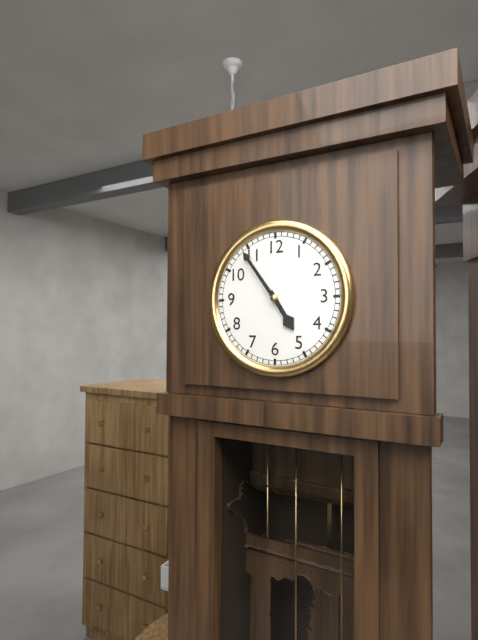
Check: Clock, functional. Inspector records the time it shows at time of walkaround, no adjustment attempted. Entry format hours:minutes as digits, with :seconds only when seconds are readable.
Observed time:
4:54
